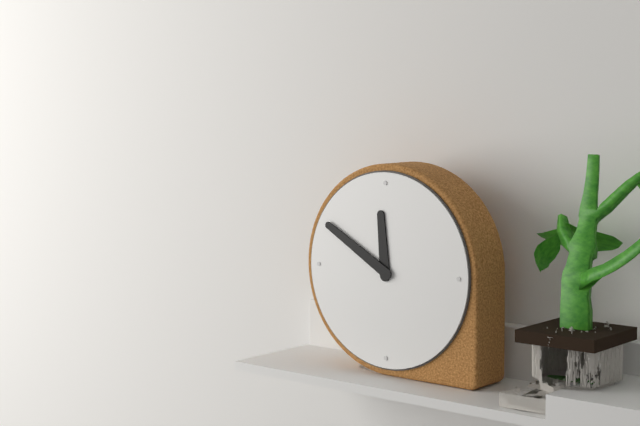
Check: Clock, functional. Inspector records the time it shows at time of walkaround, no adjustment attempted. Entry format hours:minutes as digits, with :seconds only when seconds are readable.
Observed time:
11:50
